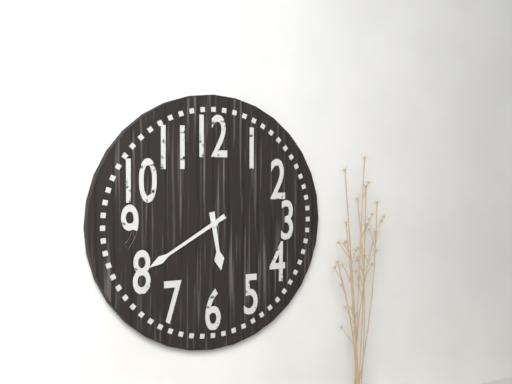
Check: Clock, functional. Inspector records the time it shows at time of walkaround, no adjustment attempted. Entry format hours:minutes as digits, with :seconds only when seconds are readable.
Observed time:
5:40
